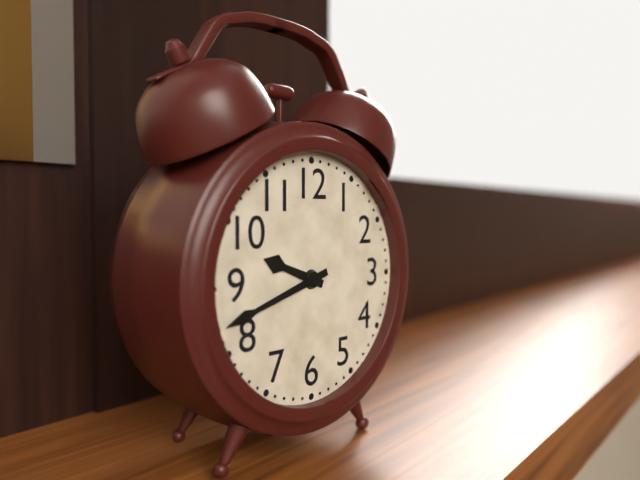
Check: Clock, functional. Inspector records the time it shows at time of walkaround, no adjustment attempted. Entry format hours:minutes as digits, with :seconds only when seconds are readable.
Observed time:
9:42
